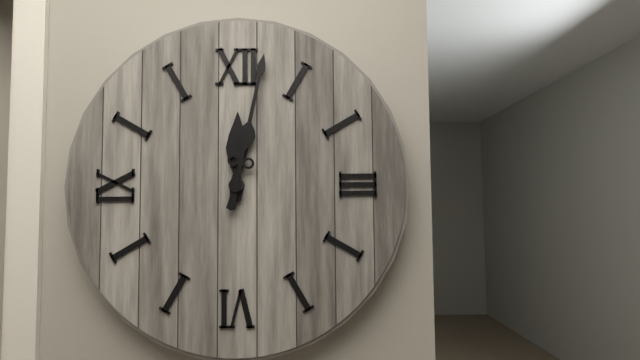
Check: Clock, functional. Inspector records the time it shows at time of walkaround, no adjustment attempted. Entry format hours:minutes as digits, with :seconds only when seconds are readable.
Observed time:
12:02
